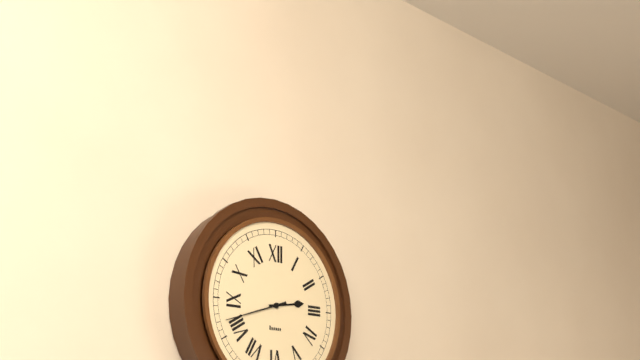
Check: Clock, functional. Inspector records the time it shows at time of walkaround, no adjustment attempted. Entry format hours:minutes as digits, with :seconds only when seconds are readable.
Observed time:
2:42
